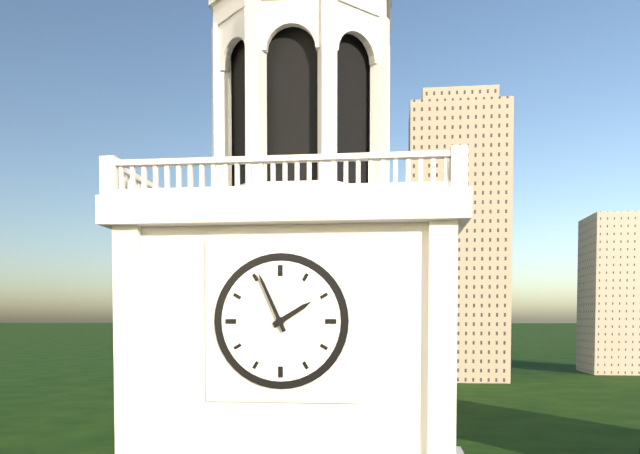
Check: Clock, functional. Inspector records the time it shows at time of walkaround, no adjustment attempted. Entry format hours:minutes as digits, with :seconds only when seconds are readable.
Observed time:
1:56
